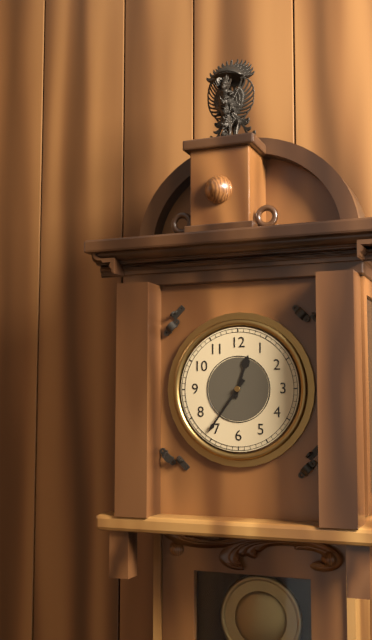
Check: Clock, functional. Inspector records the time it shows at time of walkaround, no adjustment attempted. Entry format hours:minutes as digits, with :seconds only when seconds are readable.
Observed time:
12:36
